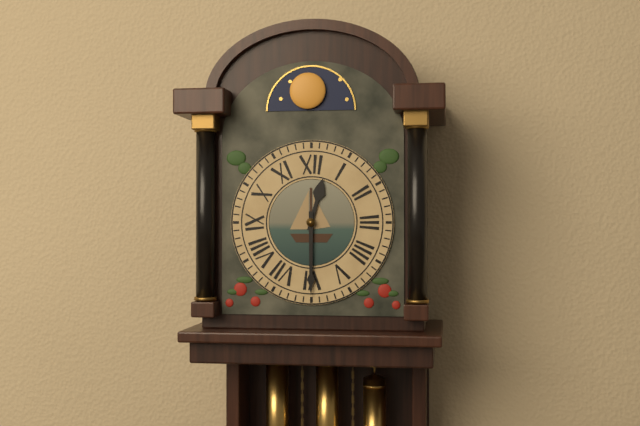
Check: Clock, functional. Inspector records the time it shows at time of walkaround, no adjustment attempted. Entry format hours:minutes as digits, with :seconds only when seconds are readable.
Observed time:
12:30
